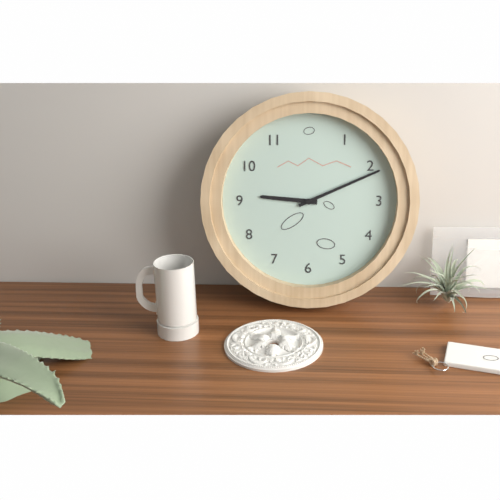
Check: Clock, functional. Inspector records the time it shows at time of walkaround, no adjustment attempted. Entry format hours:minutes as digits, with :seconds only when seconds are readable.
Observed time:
9:11
